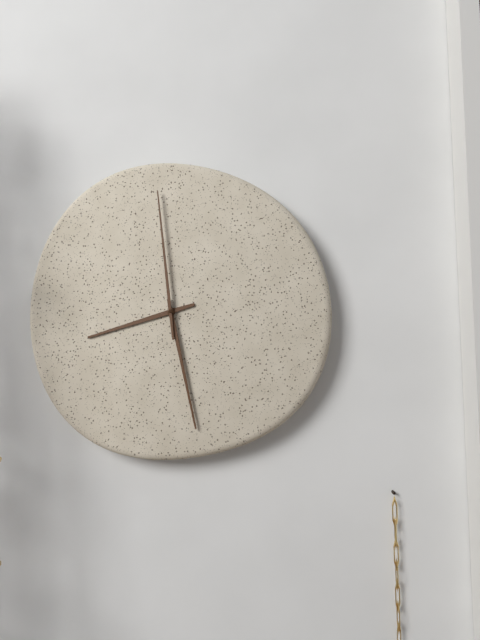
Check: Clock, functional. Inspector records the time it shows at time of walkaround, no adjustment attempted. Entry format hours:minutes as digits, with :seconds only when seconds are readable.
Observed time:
8:28:59
